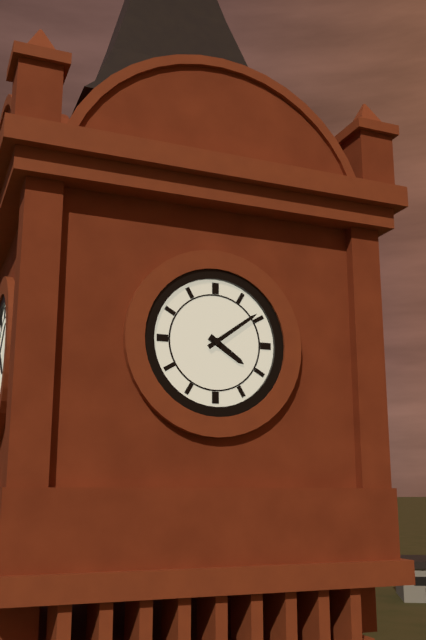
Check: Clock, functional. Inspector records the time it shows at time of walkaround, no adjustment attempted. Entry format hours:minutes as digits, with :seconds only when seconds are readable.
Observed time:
4:09
